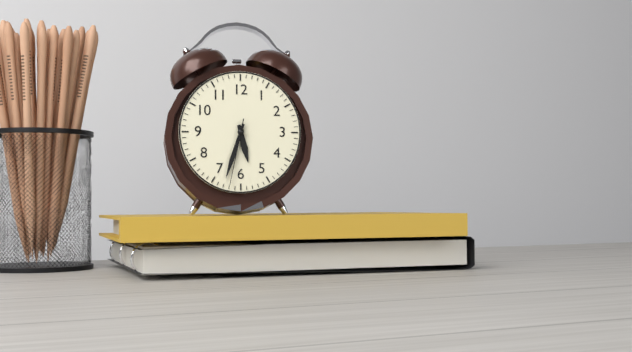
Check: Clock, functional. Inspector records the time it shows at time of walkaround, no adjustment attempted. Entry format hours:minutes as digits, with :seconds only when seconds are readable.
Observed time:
5:33:32
